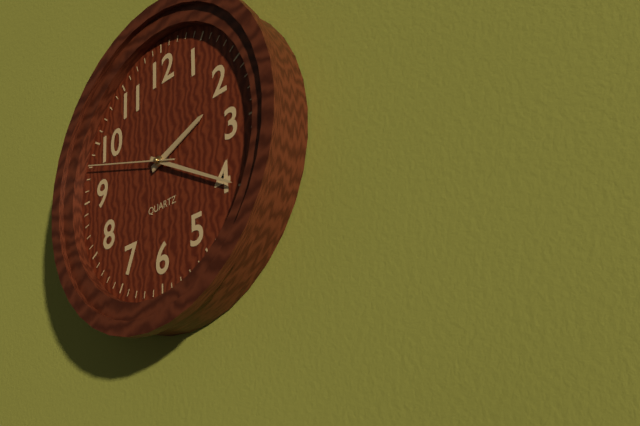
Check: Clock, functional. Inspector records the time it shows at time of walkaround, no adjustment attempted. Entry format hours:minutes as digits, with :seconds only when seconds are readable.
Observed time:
2:20:48
